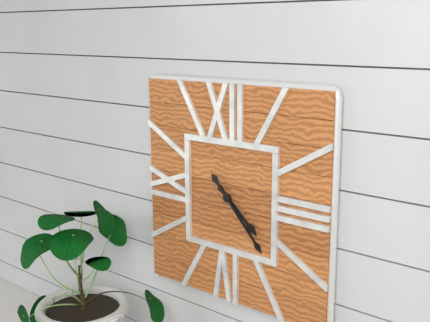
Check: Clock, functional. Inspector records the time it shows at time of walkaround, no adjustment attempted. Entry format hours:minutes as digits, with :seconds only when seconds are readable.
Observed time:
4:23
